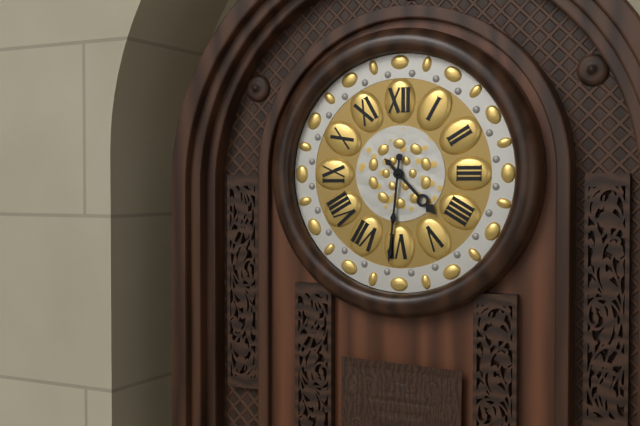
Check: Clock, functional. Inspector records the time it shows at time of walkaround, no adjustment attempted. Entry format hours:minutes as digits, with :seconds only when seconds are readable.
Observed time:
4:31
